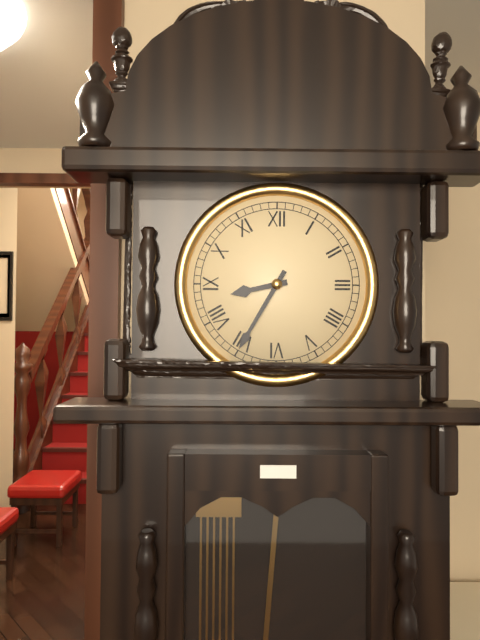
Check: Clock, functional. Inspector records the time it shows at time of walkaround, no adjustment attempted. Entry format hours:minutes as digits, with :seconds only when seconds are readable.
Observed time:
8:35
